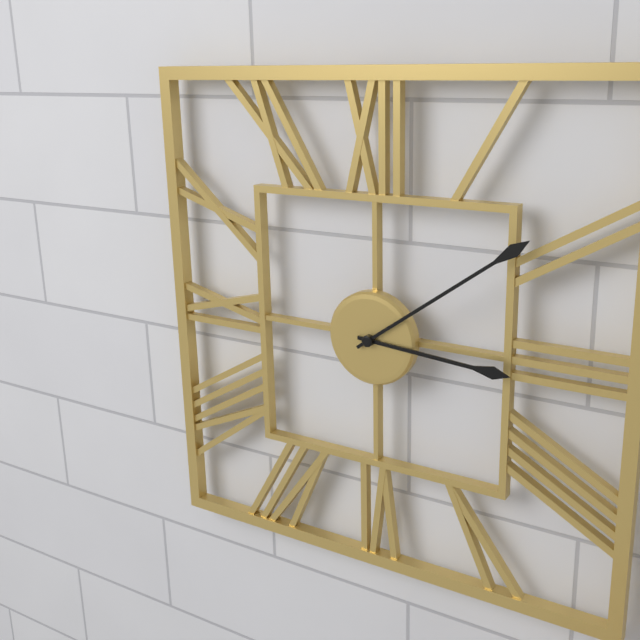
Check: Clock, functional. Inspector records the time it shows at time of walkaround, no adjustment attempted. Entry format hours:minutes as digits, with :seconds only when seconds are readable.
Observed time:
3:09
